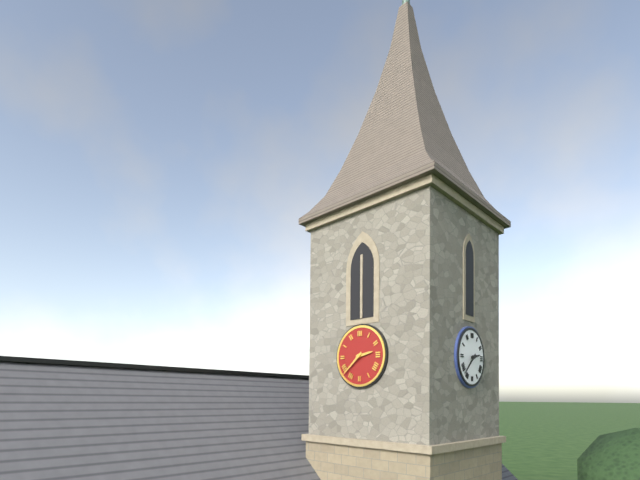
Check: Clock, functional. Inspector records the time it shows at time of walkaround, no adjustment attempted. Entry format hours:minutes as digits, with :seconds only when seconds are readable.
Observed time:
2:38
